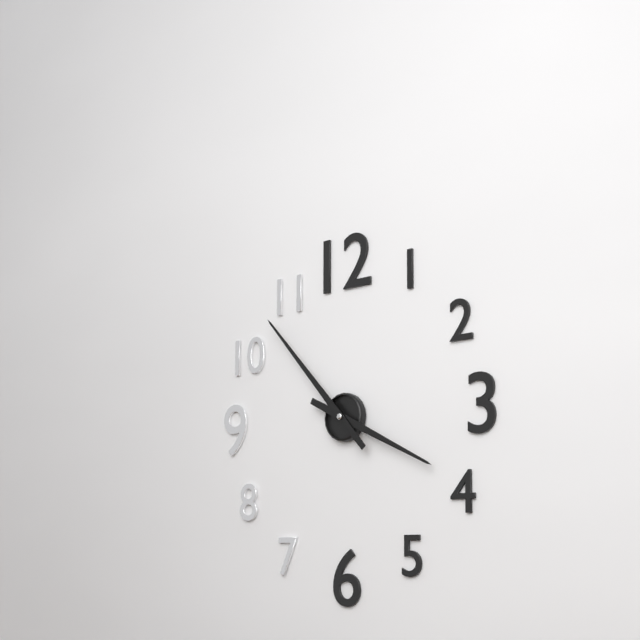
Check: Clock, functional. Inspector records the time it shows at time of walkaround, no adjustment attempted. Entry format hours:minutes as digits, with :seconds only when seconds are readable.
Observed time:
3:53
